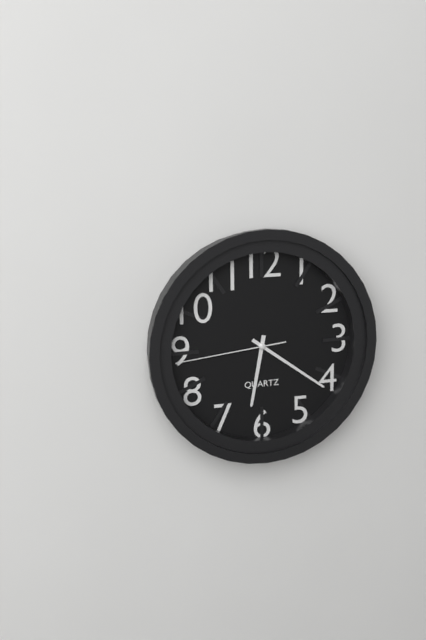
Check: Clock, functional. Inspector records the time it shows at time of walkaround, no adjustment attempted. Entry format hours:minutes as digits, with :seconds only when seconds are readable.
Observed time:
6:21:44
